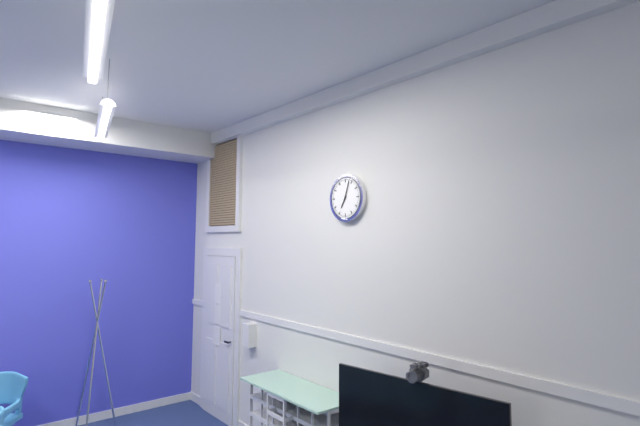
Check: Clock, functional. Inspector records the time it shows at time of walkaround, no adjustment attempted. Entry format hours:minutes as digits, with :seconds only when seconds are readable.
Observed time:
7:03
